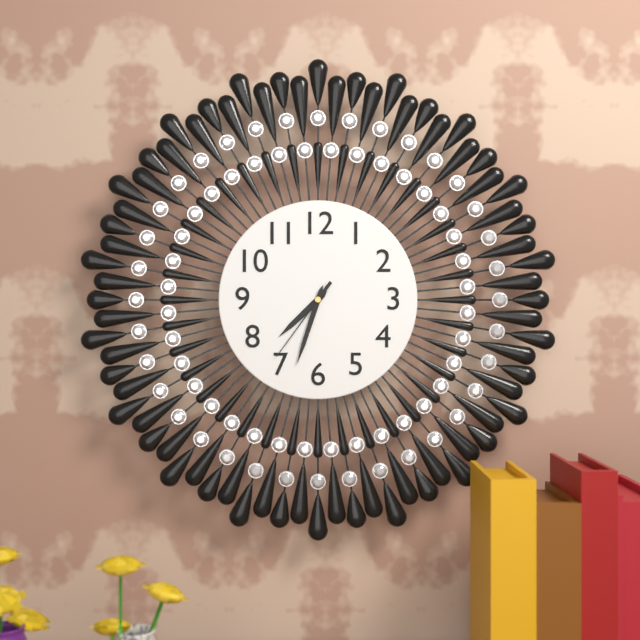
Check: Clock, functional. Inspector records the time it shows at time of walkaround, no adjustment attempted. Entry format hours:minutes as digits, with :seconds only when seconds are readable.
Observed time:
7:33:36
